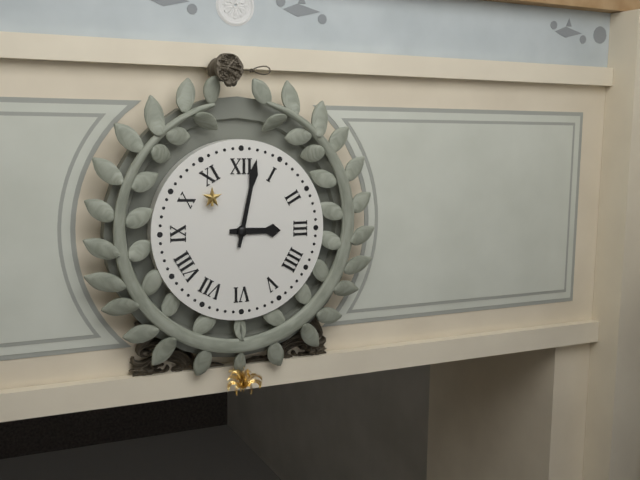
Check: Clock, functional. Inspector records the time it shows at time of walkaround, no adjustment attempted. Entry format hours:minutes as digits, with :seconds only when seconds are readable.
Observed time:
3:02
